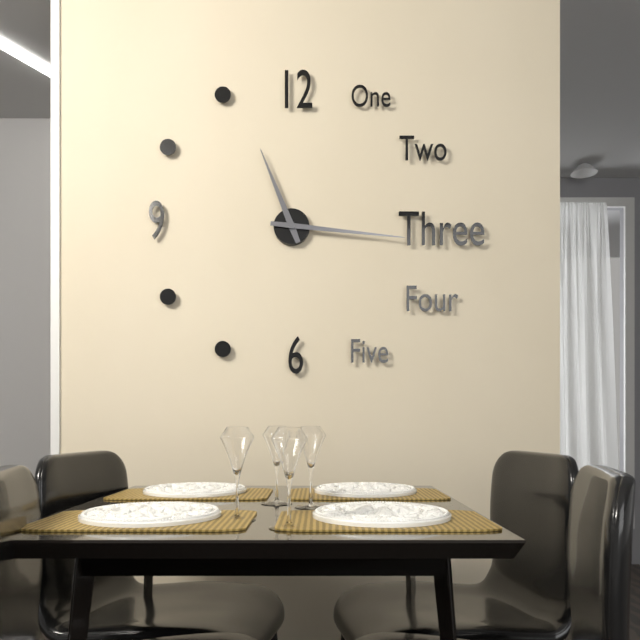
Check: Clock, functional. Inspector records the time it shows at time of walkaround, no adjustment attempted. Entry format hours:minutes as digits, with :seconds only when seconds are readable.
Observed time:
11:16
